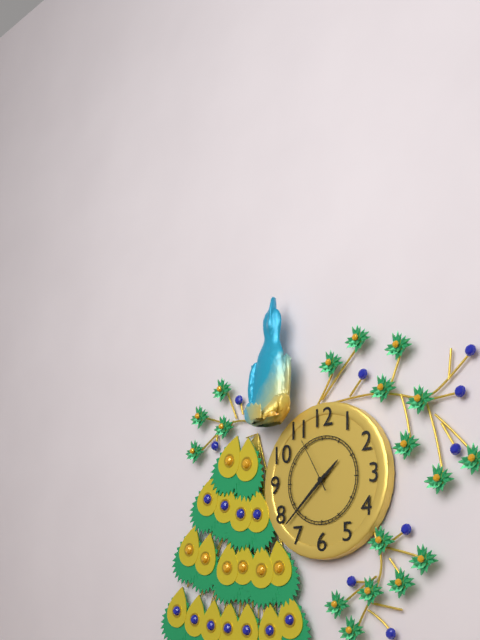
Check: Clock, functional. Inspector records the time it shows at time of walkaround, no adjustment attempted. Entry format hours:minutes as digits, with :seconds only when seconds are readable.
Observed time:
1:38:55
